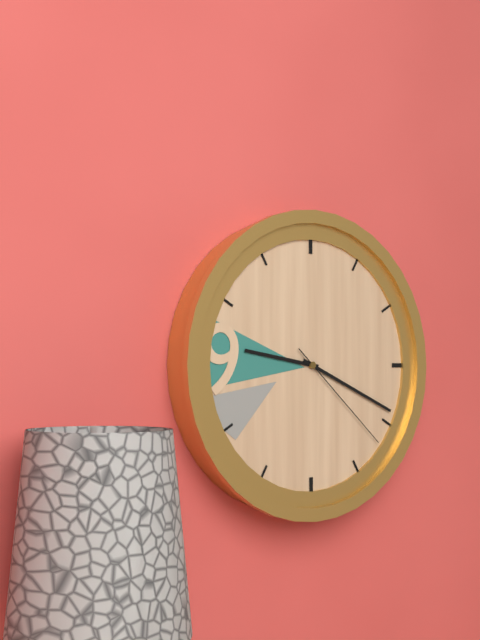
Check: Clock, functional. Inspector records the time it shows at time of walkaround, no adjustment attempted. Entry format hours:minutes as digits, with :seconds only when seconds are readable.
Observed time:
9:19:22
